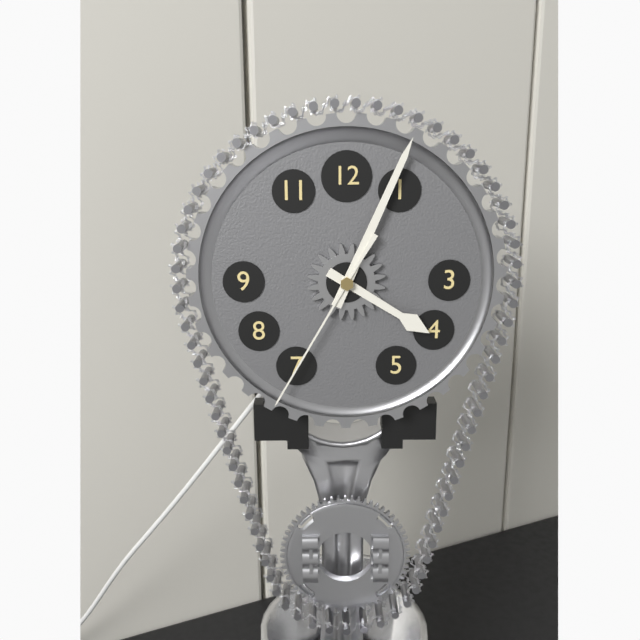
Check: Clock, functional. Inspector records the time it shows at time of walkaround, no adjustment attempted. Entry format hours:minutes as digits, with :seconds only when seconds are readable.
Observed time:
4:04:35
